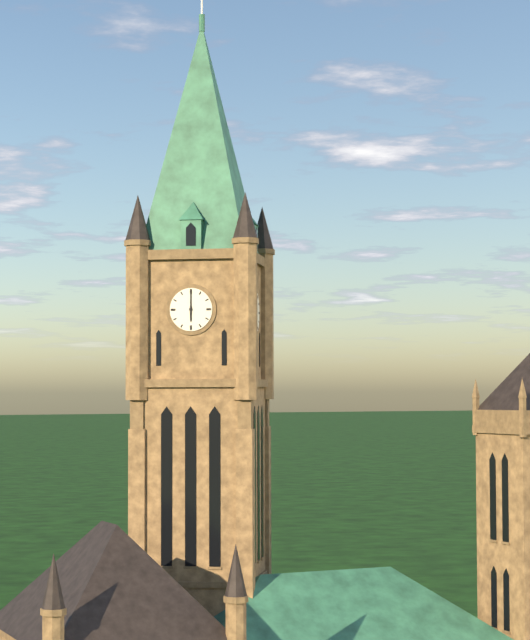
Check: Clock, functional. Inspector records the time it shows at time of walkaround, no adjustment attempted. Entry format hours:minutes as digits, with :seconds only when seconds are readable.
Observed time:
6:00
